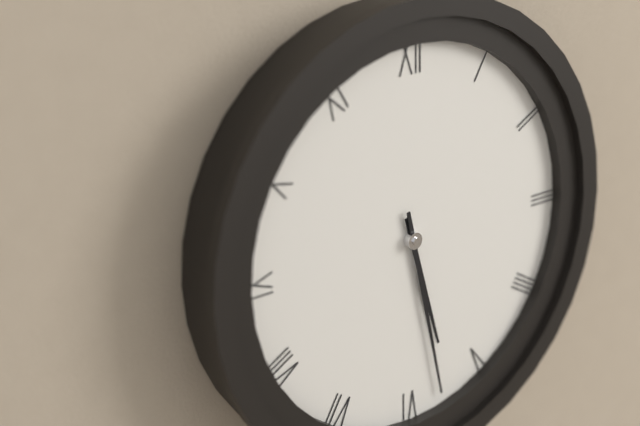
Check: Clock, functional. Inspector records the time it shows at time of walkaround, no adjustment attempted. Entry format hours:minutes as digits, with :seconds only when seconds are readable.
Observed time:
5:28
